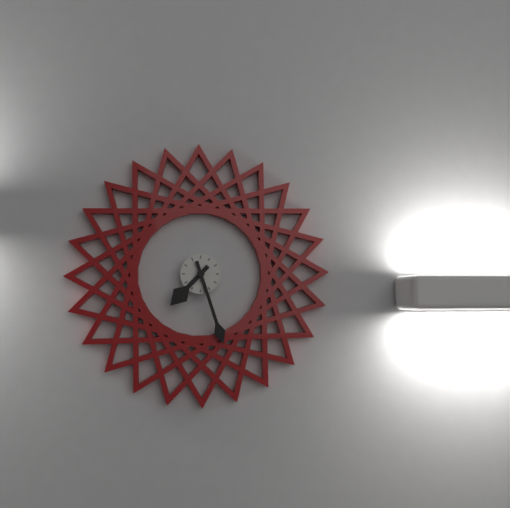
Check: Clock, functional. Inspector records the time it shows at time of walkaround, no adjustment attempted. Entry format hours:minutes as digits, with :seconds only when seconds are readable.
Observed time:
7:27
